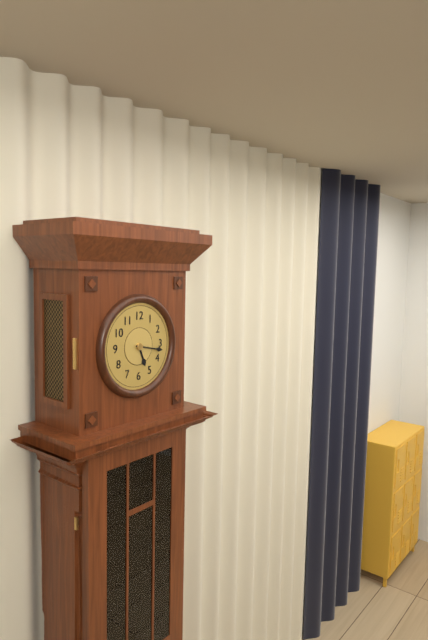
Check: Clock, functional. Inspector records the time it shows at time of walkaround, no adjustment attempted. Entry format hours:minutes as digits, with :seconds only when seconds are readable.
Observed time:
5:17
